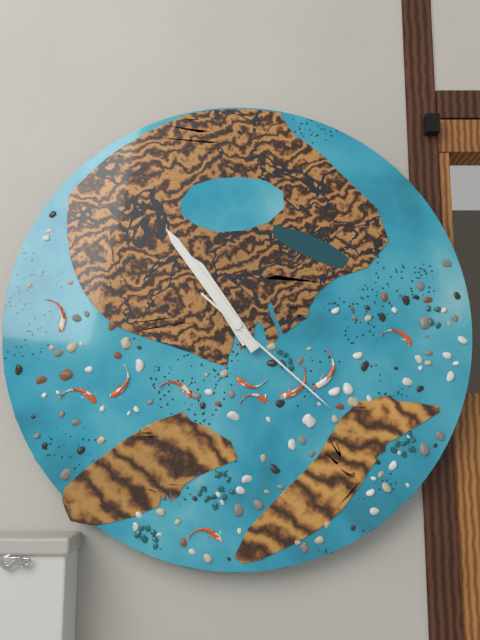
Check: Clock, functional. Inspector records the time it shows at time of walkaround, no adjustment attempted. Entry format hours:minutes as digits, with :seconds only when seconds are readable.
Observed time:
10:54:22
